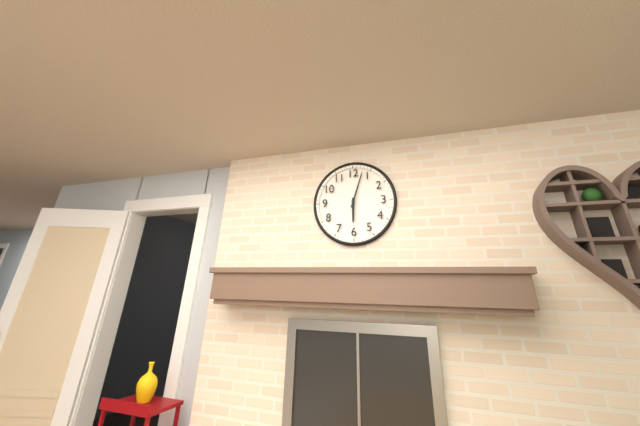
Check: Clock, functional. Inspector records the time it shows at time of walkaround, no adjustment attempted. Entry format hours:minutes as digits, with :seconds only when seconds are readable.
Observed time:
6:03
